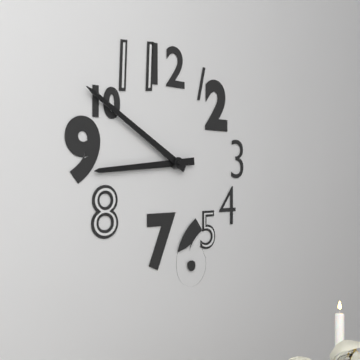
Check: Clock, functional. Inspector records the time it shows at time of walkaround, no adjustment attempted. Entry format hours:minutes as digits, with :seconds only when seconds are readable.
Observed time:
8:50
